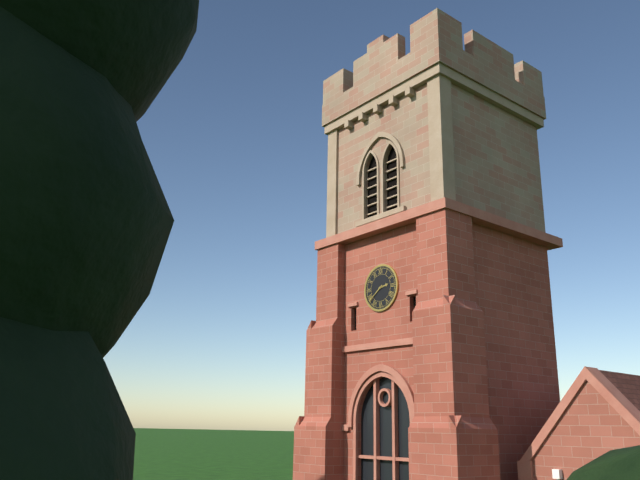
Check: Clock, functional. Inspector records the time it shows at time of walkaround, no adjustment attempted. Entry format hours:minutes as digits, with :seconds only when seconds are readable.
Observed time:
2:39
